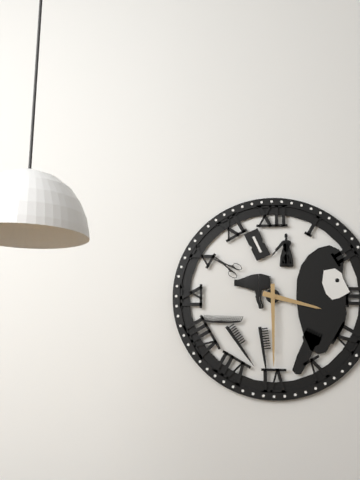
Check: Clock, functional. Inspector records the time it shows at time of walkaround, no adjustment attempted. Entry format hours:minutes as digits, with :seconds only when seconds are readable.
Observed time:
3:30
